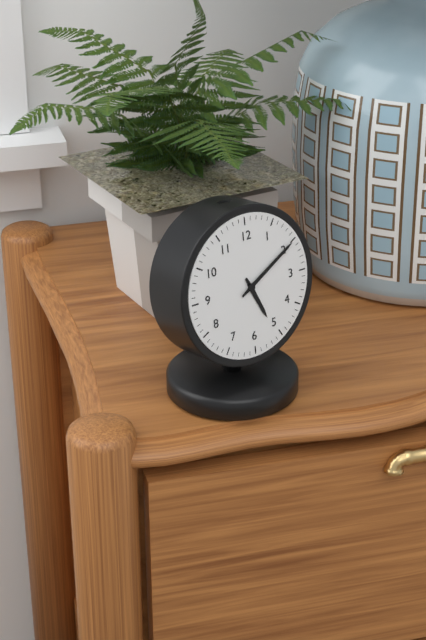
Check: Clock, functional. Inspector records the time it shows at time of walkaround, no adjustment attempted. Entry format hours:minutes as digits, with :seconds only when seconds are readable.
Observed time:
5:10
